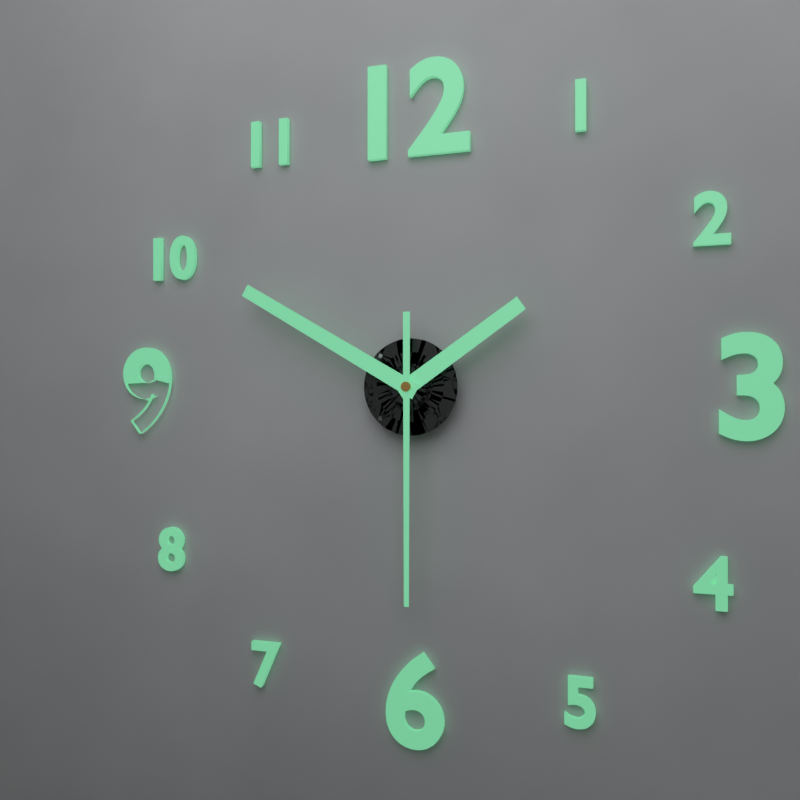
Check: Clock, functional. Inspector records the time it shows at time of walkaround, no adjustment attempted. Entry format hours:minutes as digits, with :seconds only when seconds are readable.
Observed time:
1:50:30
